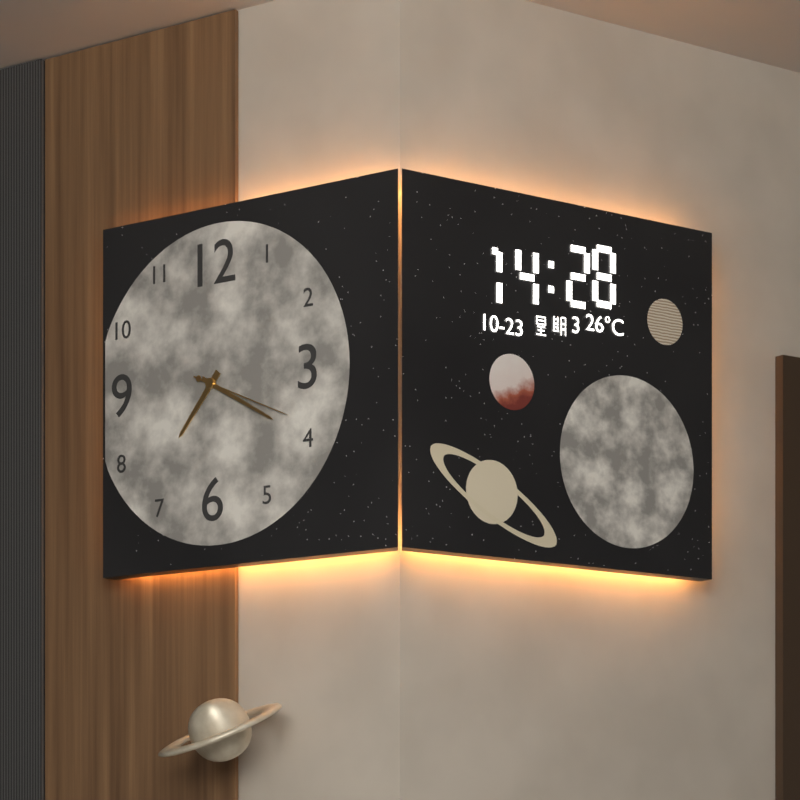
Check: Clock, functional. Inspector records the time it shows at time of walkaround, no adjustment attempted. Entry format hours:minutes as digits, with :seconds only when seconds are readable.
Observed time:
7:20:19
